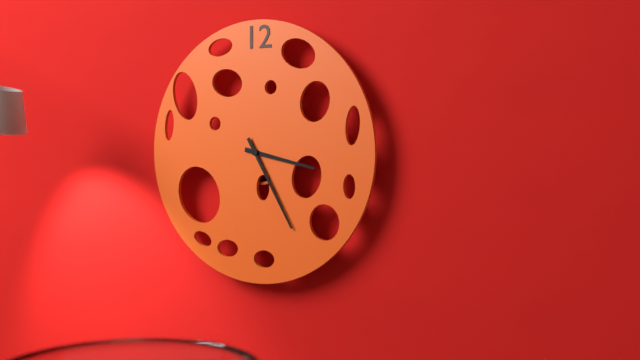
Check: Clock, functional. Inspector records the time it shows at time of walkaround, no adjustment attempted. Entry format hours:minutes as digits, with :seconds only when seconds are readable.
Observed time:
3:25
